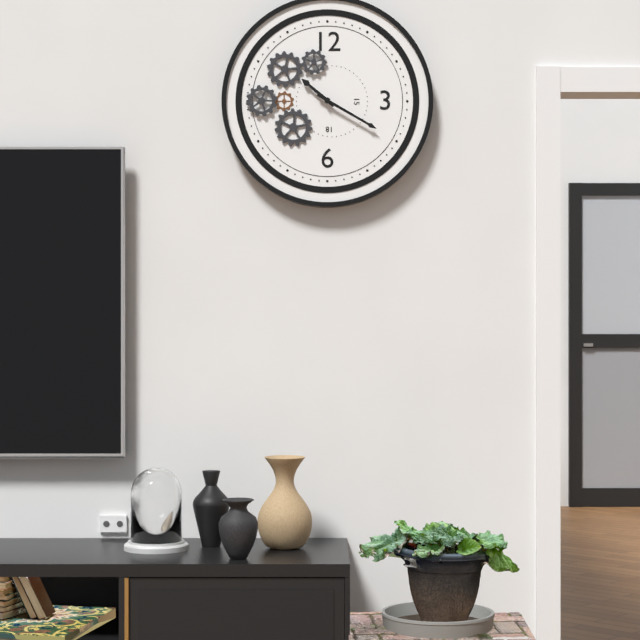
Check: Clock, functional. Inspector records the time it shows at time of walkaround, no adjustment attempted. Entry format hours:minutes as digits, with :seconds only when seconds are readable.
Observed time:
10:20
